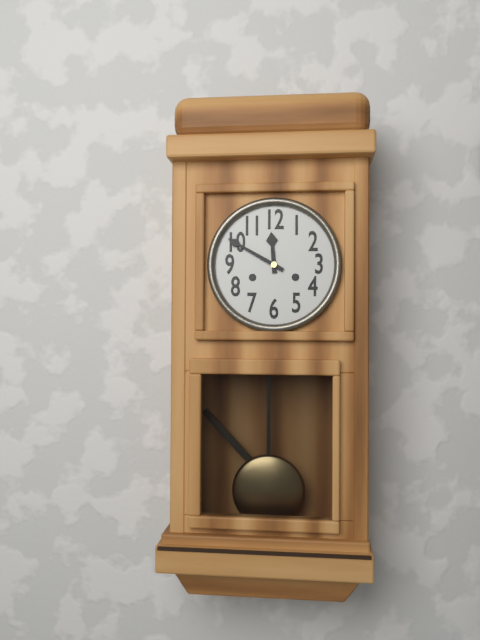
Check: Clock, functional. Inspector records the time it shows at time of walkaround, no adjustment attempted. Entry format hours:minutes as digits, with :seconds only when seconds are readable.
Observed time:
11:50
